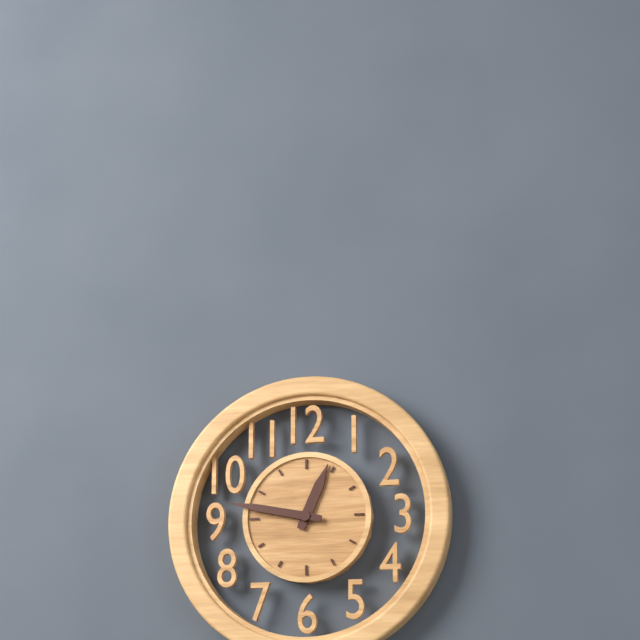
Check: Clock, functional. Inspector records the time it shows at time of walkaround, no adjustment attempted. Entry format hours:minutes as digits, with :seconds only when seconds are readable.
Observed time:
12:47
